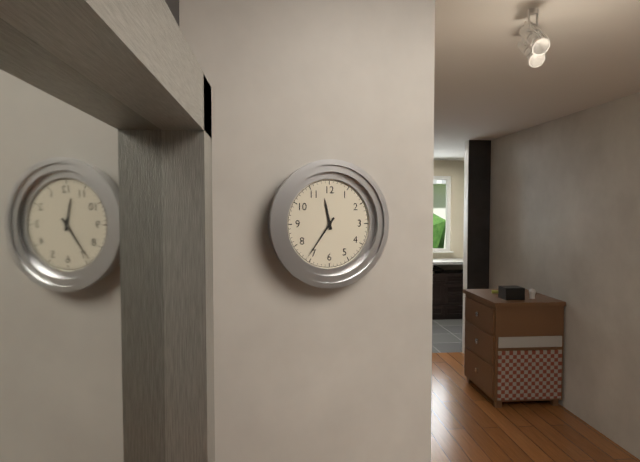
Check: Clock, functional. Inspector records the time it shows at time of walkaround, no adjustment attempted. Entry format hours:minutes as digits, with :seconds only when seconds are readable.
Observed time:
11:36
